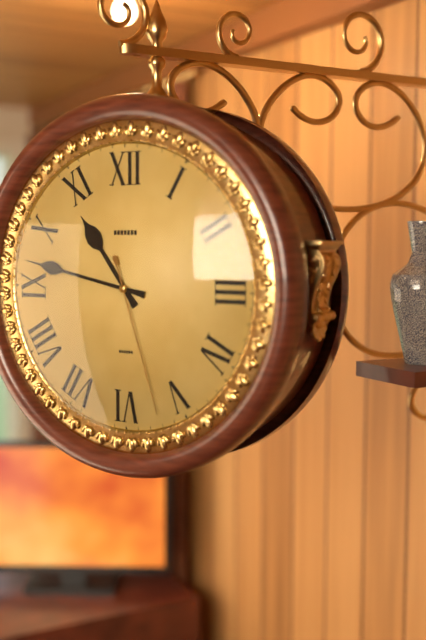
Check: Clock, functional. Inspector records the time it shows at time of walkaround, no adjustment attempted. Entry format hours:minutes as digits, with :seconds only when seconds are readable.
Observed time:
10:47:27
